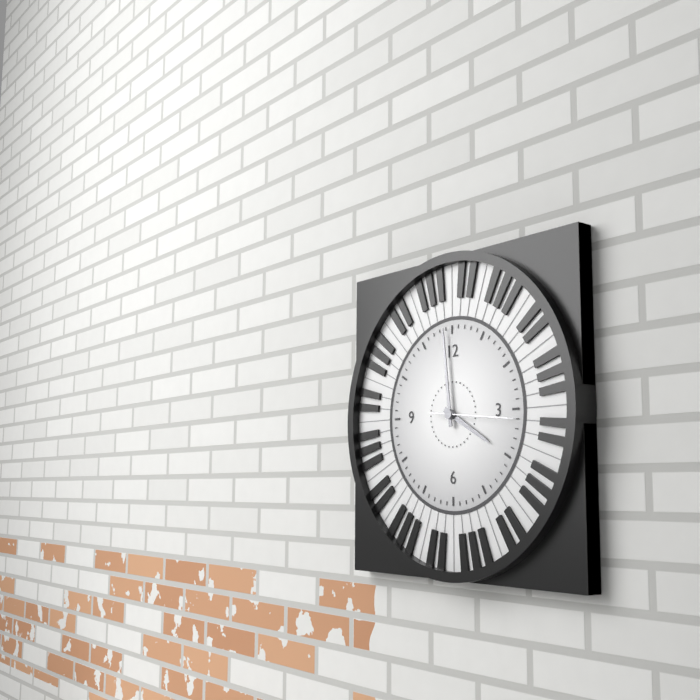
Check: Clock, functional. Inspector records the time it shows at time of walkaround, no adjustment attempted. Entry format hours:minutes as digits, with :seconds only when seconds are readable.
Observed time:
3:59:16
